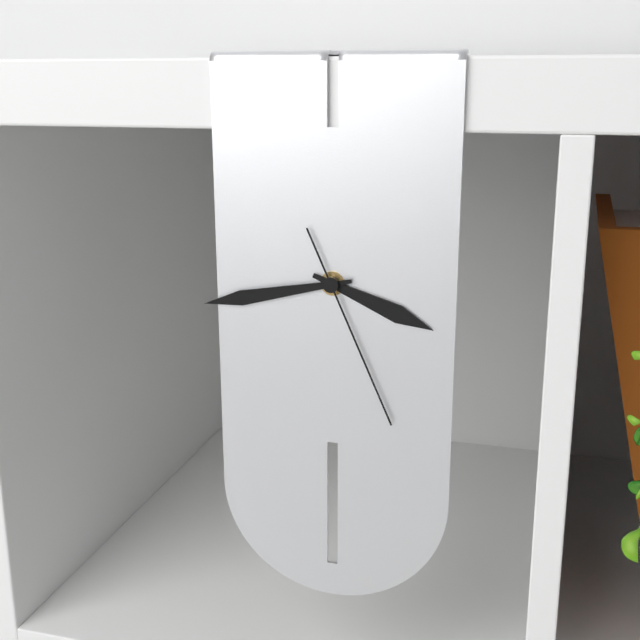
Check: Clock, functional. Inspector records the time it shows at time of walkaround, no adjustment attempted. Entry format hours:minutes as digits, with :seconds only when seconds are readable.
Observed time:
3:43:26
